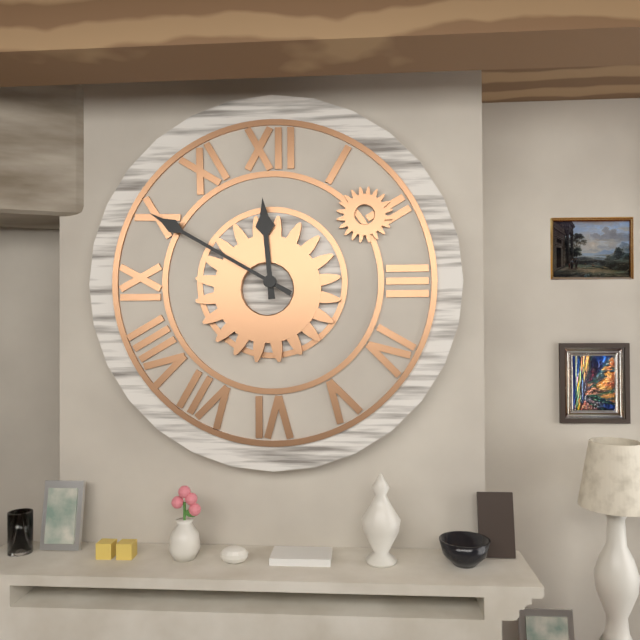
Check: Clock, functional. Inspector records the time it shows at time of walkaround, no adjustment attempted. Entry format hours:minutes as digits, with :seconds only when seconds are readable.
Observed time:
11:50
